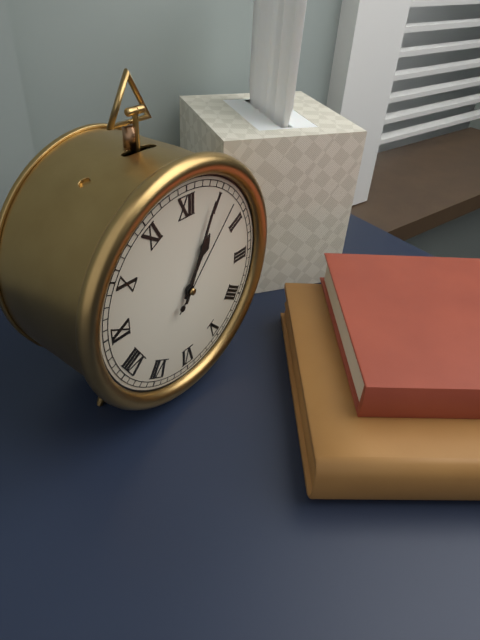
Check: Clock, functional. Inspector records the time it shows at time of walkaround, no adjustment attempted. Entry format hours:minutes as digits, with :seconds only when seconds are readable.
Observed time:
1:04:07
